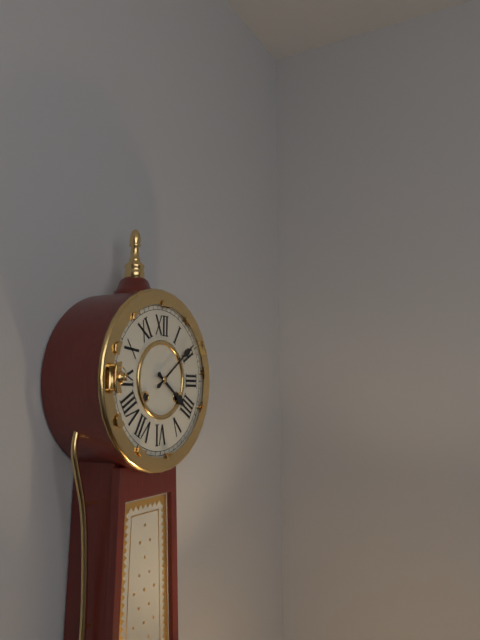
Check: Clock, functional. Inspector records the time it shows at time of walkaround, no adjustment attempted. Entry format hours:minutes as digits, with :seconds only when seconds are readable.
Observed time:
4:09
